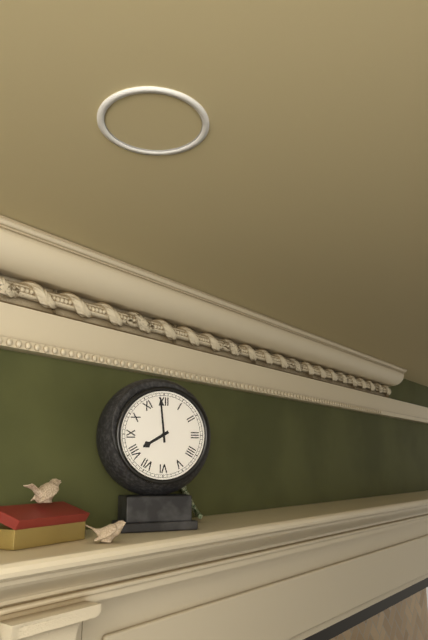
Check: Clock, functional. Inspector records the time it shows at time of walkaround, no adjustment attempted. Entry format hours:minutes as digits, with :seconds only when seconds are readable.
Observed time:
7:59
